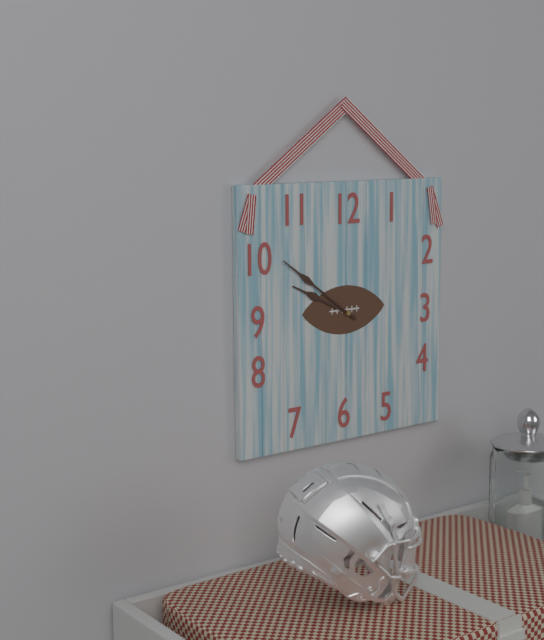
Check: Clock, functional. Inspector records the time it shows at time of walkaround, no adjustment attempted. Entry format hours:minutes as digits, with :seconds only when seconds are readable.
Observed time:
9:51
